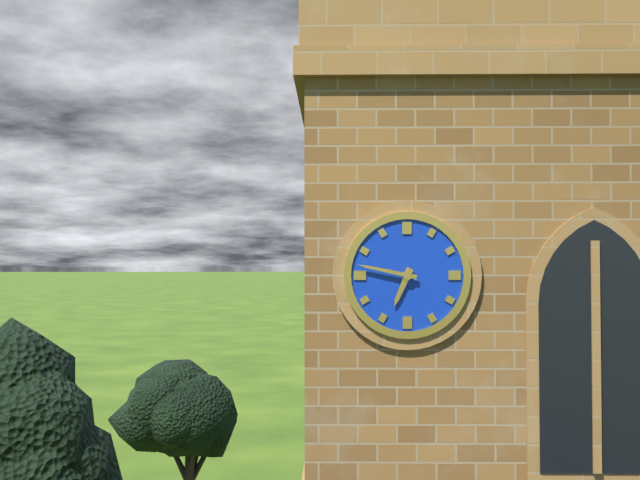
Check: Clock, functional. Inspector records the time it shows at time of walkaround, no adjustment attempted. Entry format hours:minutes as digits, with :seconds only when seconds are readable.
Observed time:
6:47
